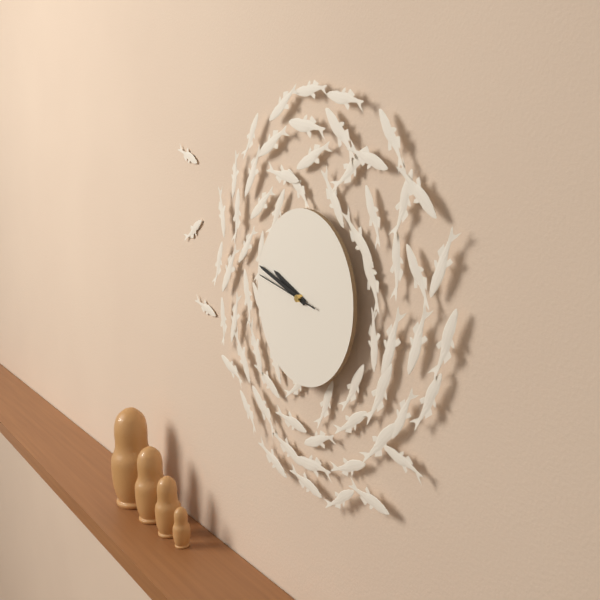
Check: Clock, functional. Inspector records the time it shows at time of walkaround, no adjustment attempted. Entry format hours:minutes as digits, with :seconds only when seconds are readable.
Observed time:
9:48:47
